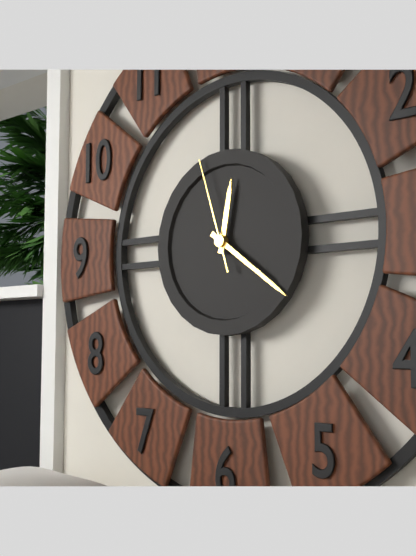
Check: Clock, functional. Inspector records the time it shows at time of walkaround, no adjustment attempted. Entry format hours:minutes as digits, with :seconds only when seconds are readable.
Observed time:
12:21:57
